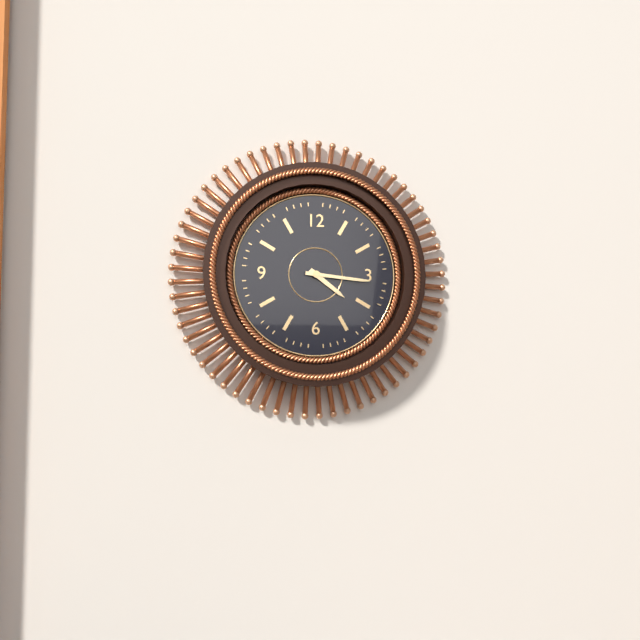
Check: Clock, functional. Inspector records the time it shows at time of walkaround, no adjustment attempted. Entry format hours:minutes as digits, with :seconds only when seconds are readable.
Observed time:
4:16
